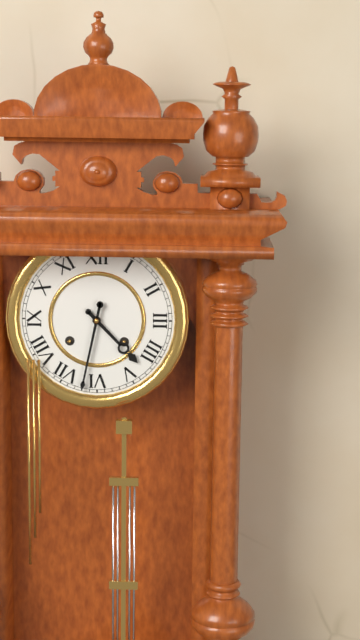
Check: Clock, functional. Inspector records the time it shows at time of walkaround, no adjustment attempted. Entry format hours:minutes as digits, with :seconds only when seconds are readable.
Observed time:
4:32
